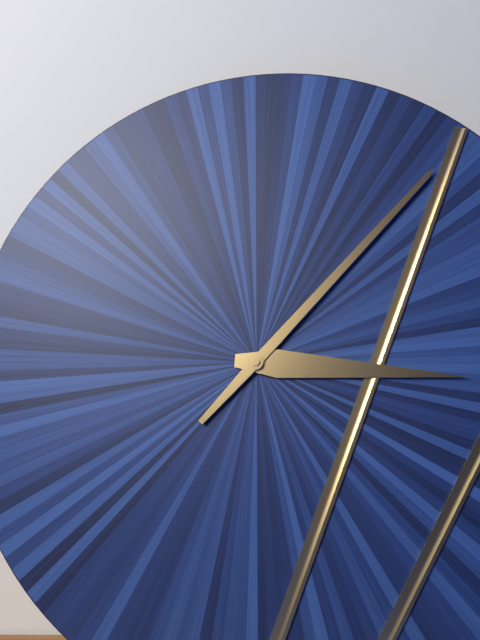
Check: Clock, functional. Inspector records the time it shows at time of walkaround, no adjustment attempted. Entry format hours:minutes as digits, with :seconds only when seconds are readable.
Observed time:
3:07
